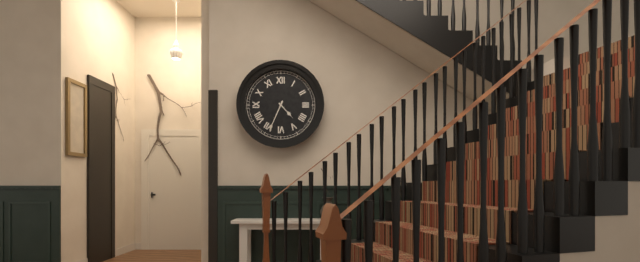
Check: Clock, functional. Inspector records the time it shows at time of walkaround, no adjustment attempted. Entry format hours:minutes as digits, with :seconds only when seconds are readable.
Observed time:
4:34
